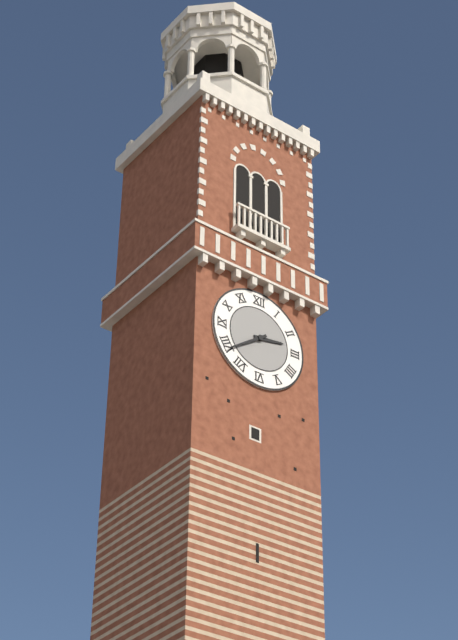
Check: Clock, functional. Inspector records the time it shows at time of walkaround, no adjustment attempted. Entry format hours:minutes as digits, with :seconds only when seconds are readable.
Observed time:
2:39
